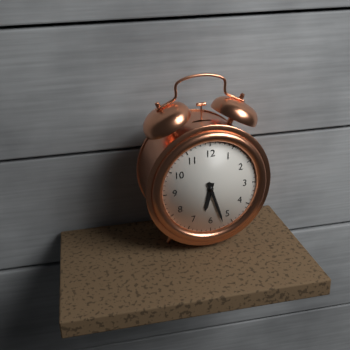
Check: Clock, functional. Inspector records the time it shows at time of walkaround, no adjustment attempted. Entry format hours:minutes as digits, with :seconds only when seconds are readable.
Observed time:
6:27
